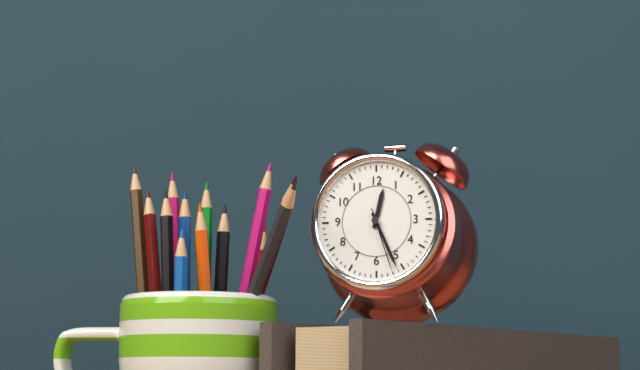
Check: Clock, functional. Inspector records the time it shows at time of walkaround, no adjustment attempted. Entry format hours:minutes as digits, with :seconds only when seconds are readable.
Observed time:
12:26:27
